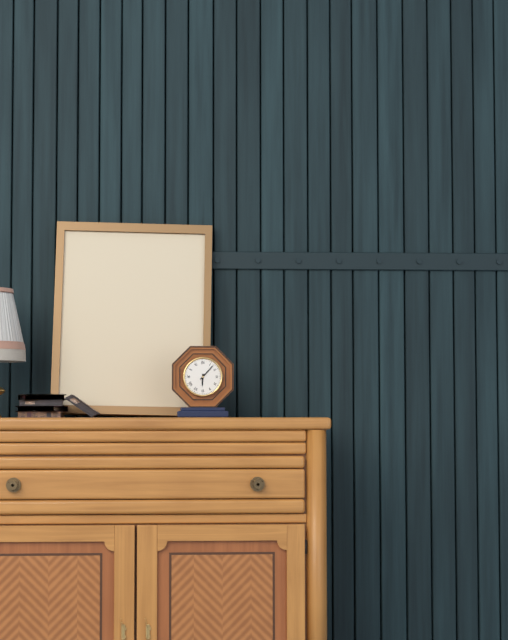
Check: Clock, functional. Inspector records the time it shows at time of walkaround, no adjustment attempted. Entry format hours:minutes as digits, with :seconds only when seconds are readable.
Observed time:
6:07
